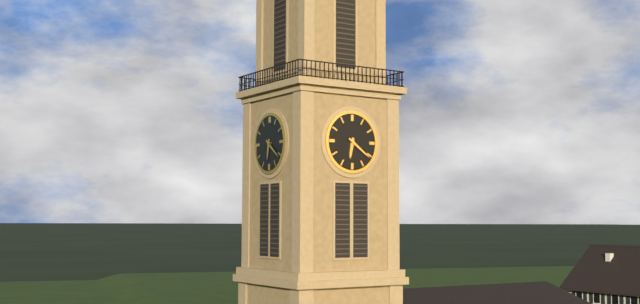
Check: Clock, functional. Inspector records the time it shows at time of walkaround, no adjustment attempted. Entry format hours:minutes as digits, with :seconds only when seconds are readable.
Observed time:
6:21
